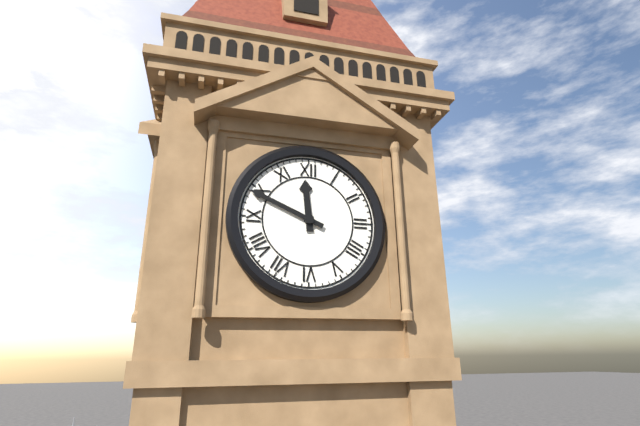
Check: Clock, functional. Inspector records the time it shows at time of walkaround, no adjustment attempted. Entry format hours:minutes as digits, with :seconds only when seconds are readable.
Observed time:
11:49
